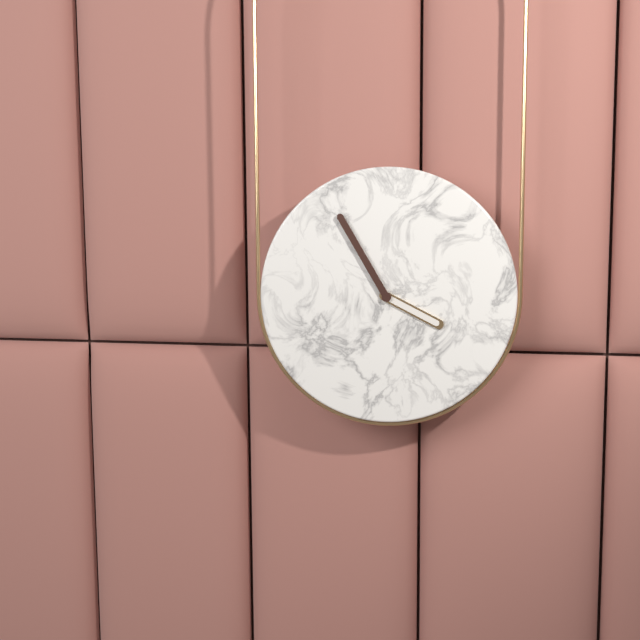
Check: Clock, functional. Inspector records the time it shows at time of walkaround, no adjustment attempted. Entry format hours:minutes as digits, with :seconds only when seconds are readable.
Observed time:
3:55
